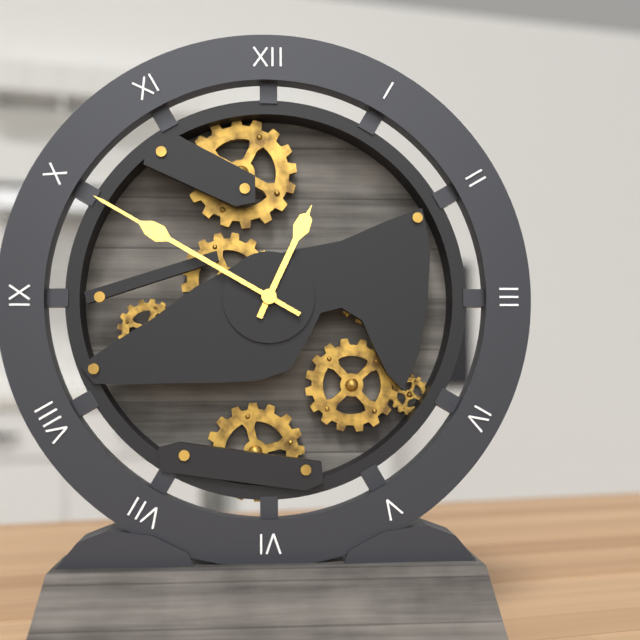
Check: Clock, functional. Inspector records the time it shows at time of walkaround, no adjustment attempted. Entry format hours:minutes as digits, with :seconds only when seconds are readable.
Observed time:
12:50
